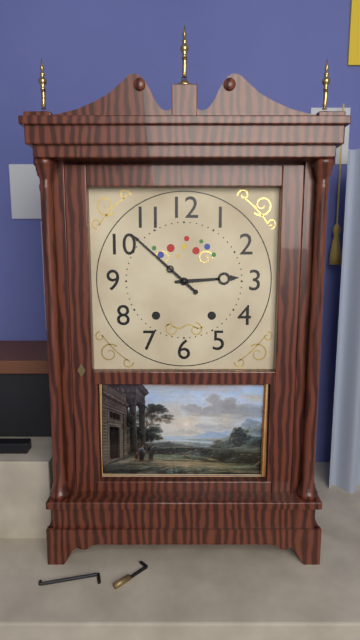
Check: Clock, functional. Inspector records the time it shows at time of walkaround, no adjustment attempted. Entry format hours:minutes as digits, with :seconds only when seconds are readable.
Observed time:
2:52
